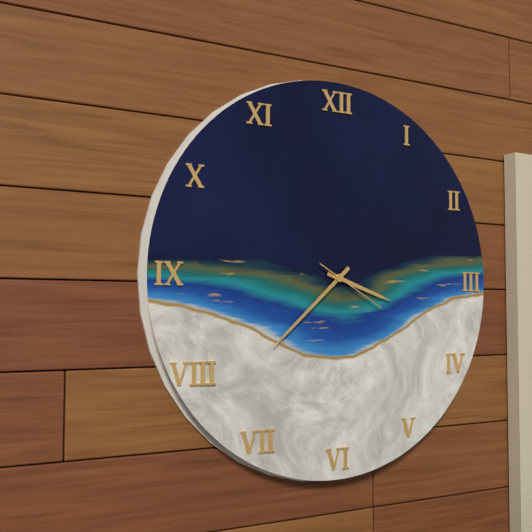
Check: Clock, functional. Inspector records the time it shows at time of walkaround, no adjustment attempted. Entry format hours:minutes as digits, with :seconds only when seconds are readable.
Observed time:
3:38:20
